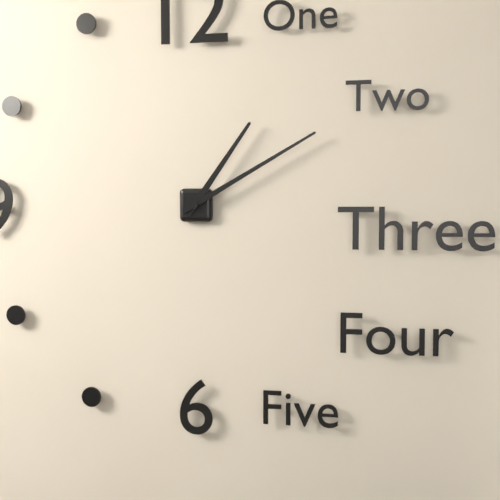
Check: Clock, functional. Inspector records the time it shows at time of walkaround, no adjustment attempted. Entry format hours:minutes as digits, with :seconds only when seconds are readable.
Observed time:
1:10
